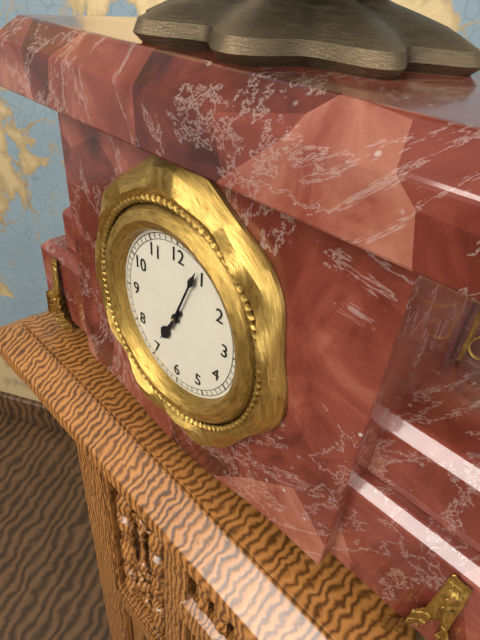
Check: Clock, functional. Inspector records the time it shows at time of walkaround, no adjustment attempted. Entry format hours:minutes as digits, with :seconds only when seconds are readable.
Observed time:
7:04
